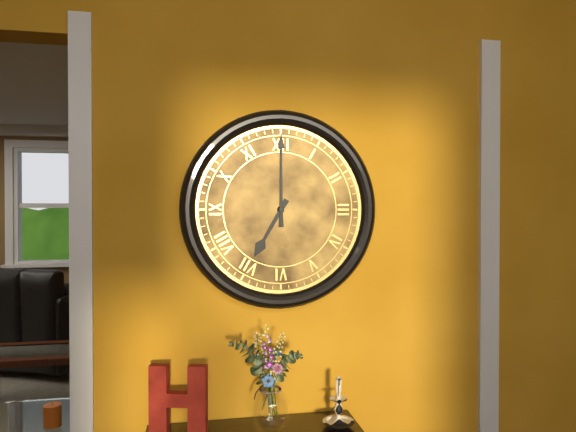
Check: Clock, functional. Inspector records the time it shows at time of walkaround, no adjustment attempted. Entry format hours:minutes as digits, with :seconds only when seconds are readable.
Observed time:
7:00
